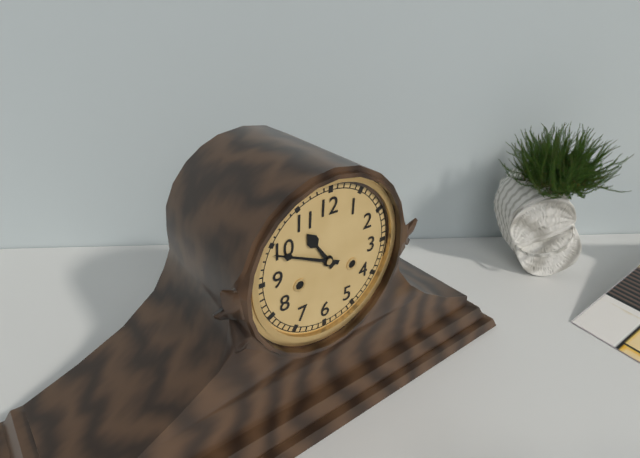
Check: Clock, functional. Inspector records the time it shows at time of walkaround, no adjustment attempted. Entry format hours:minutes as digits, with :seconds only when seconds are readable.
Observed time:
10:49
